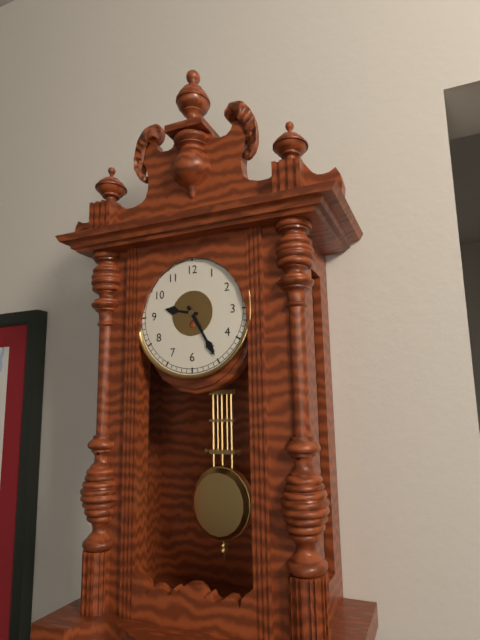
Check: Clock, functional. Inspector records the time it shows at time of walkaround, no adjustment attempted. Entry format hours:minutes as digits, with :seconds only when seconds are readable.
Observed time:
9:25
